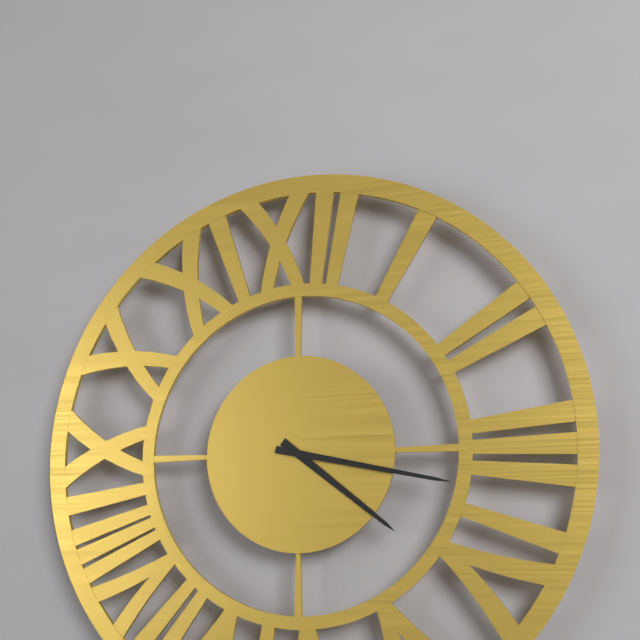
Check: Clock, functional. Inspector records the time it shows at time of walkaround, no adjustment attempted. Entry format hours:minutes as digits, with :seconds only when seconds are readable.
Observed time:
4:17
